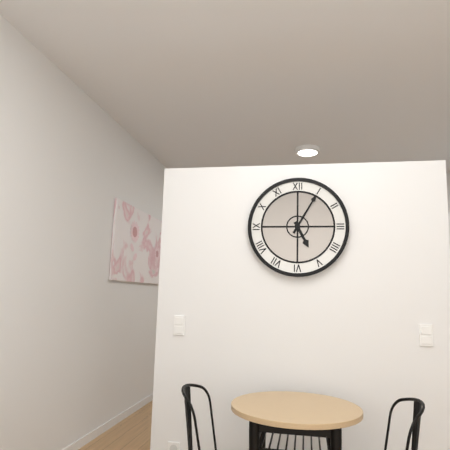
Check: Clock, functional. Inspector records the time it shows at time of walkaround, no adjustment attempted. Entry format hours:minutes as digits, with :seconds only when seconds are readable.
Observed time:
5:05
